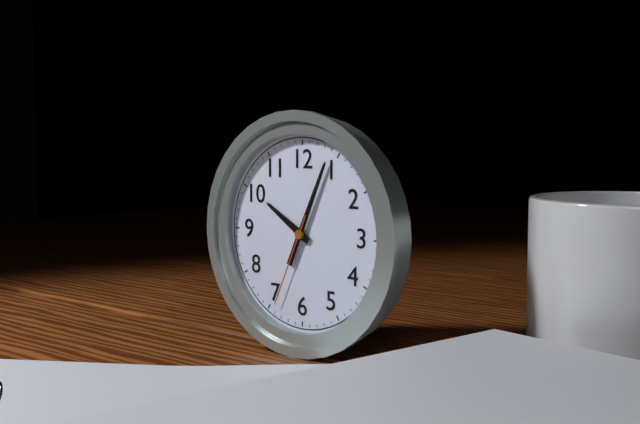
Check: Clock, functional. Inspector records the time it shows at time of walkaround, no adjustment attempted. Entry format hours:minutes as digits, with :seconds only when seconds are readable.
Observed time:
10:04:34
